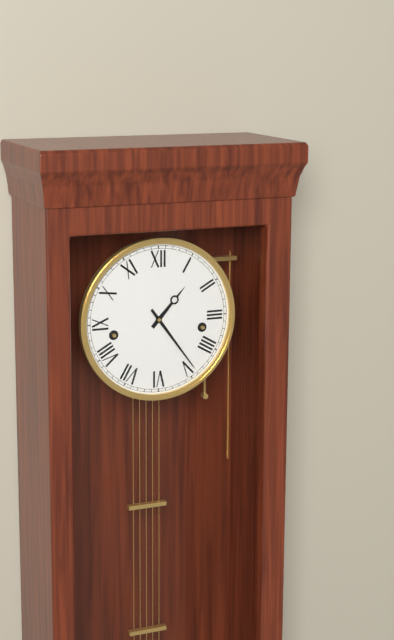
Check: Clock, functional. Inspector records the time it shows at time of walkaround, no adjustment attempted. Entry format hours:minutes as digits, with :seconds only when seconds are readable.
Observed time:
1:24
